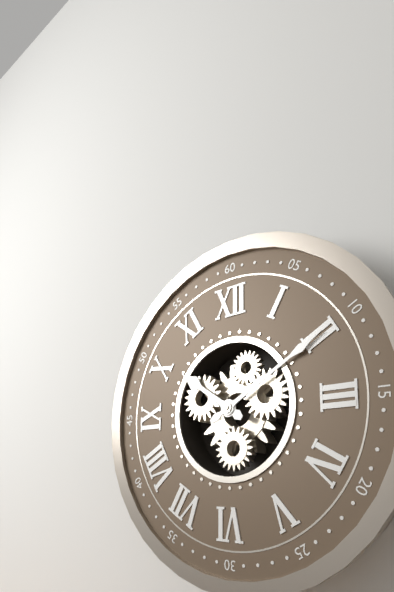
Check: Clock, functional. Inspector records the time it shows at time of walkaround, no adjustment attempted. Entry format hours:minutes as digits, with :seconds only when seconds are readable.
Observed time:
10:10
